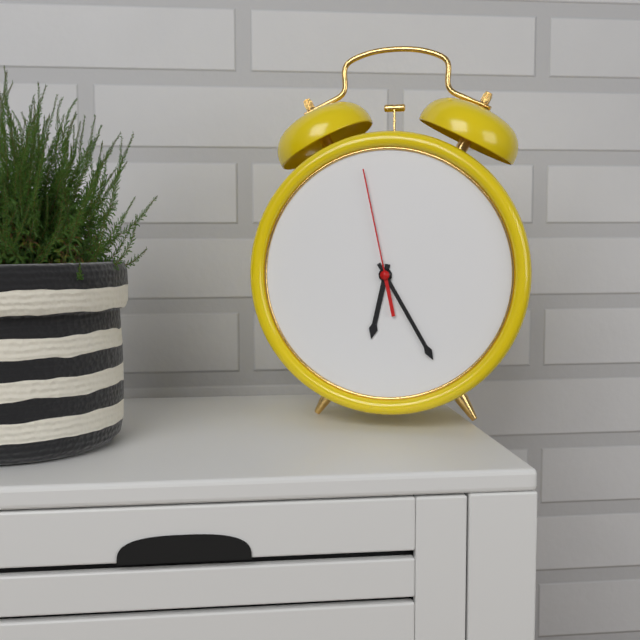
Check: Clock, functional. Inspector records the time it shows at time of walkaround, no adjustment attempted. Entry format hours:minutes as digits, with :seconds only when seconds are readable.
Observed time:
6:25:58
